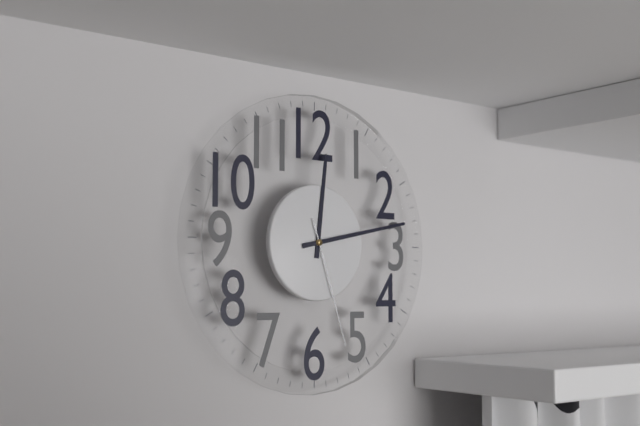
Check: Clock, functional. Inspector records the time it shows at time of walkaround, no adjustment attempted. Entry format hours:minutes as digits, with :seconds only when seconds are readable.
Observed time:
12:13:27
